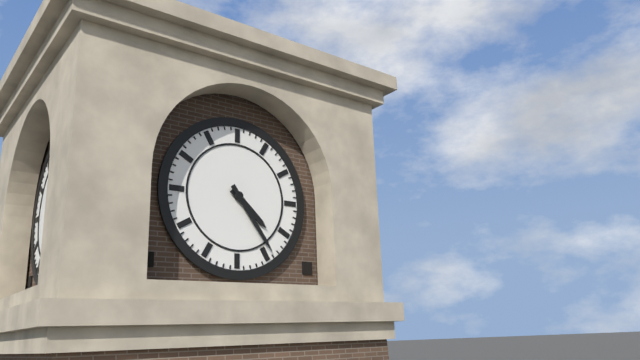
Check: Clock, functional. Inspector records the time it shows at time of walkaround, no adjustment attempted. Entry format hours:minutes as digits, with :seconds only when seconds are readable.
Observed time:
4:24
